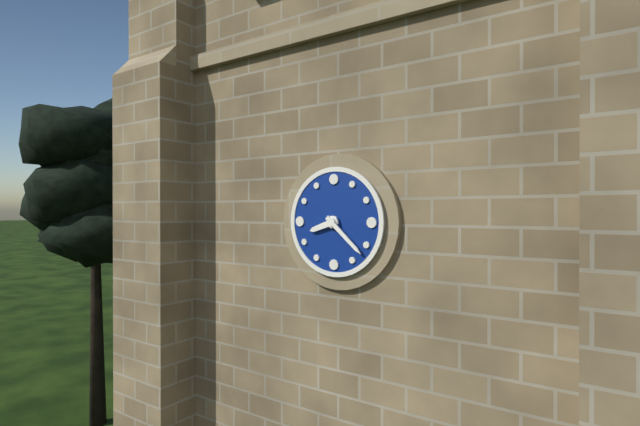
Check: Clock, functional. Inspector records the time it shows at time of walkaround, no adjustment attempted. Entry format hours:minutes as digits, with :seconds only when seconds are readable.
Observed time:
8:22
